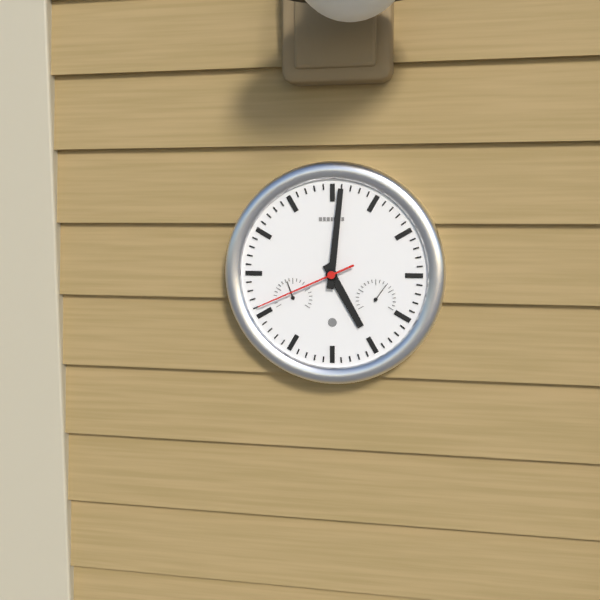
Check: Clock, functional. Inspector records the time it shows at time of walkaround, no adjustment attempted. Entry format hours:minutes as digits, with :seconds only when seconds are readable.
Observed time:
5:01:41
